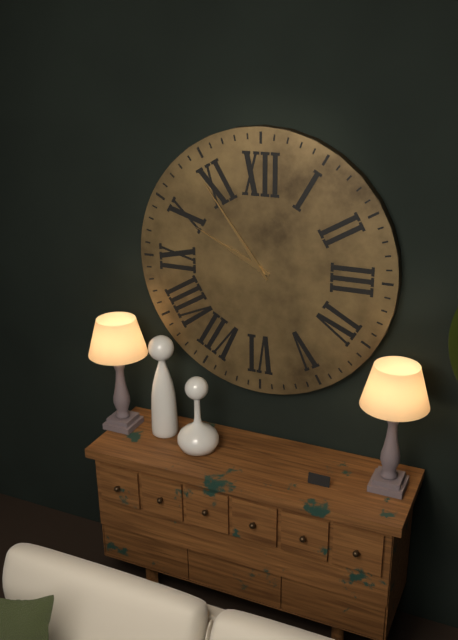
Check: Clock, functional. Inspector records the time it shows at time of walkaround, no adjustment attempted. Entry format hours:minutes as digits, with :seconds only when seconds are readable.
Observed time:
9:54
